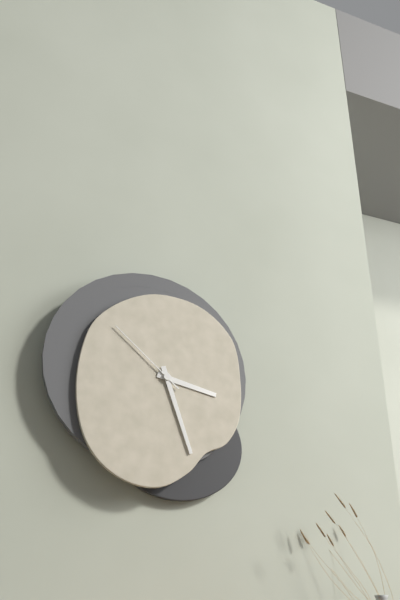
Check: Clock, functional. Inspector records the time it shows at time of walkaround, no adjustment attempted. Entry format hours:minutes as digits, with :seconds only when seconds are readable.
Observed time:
3:27:52
